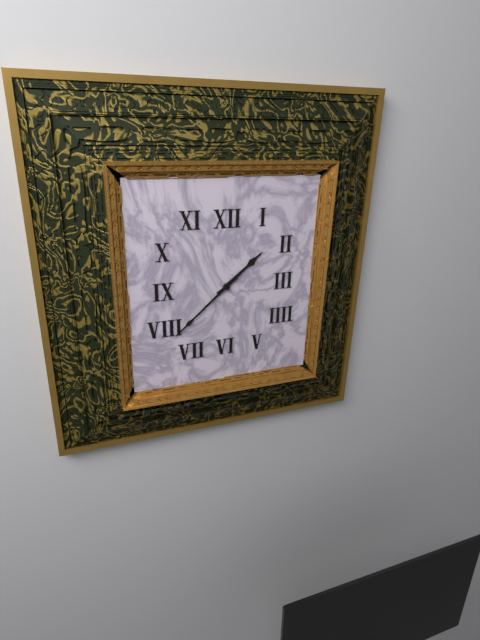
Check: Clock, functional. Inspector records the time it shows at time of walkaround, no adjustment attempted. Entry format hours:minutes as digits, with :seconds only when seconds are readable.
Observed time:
1:38
